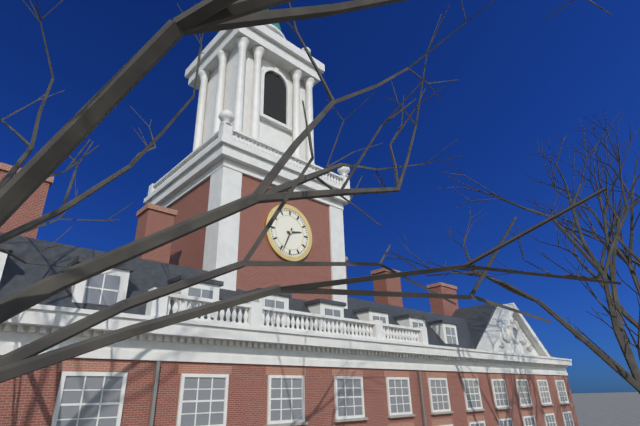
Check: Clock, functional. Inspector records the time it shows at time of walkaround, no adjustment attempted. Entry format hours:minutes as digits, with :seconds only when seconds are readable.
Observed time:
2:34
